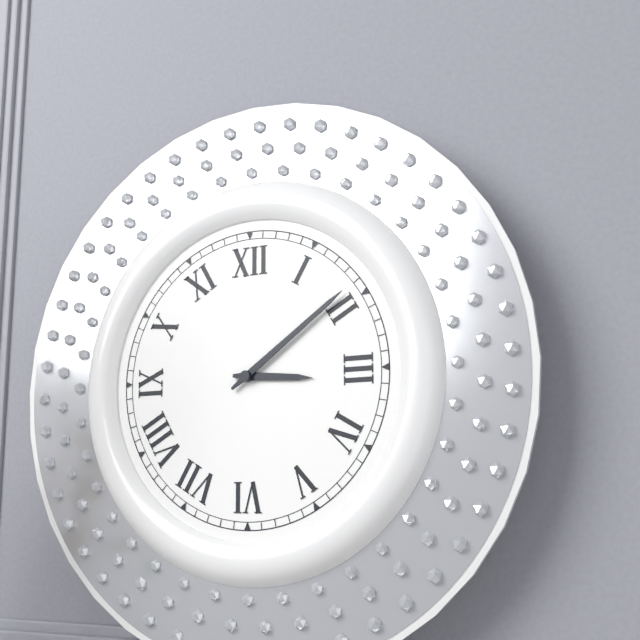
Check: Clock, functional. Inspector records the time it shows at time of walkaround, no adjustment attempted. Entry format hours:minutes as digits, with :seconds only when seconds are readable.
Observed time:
3:09
